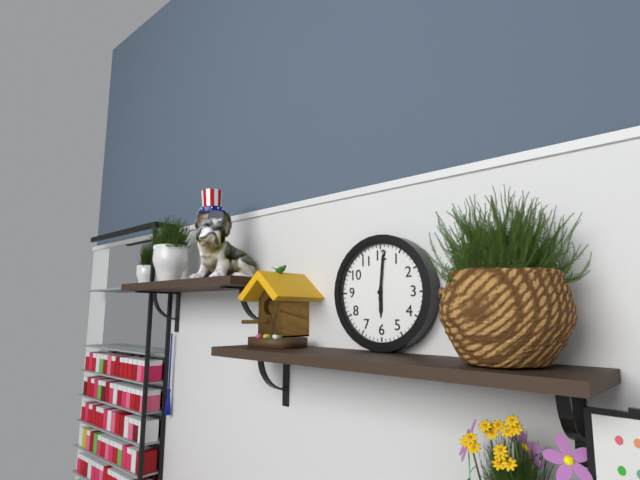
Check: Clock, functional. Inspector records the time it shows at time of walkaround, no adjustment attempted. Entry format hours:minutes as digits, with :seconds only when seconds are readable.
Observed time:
6:01
